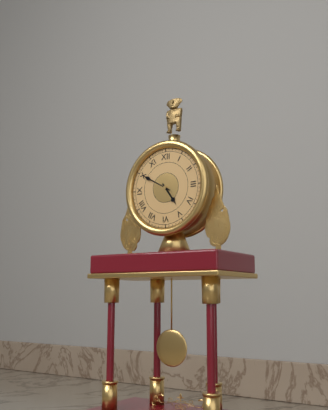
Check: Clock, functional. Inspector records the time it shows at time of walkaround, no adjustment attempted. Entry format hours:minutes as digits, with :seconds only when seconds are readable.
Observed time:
4:50
